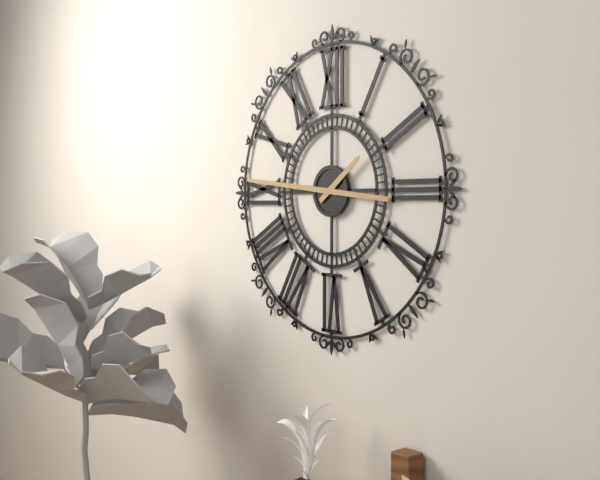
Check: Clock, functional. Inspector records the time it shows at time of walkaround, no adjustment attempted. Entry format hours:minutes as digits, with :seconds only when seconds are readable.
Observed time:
1:46
